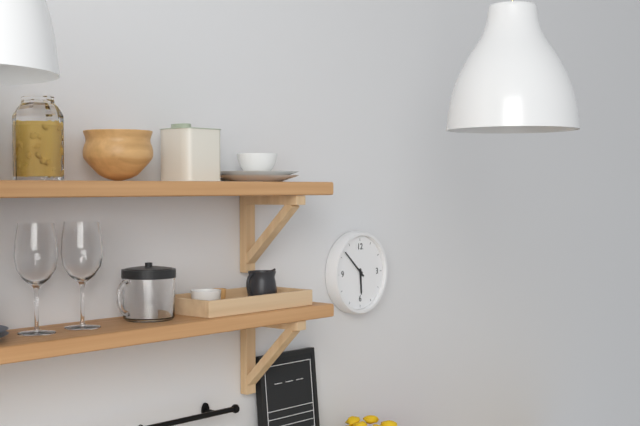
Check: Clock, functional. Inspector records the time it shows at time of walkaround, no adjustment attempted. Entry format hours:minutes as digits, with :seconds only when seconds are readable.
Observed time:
5:52
